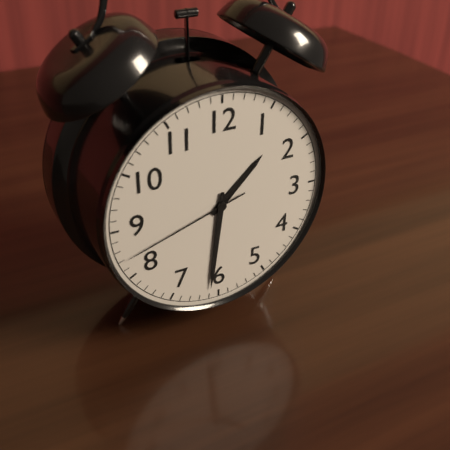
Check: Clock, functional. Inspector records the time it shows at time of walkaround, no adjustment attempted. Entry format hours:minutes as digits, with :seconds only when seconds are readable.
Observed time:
1:31:42
